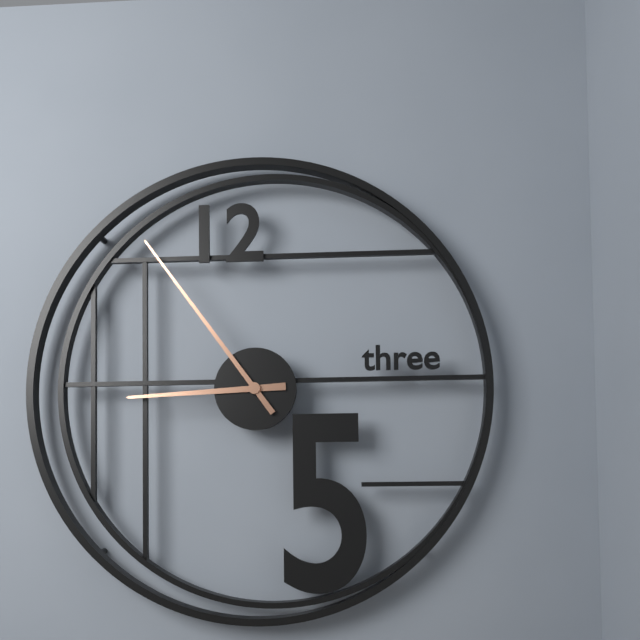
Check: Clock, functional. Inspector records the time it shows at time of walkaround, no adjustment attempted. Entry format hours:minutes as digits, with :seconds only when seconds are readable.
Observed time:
8:54
